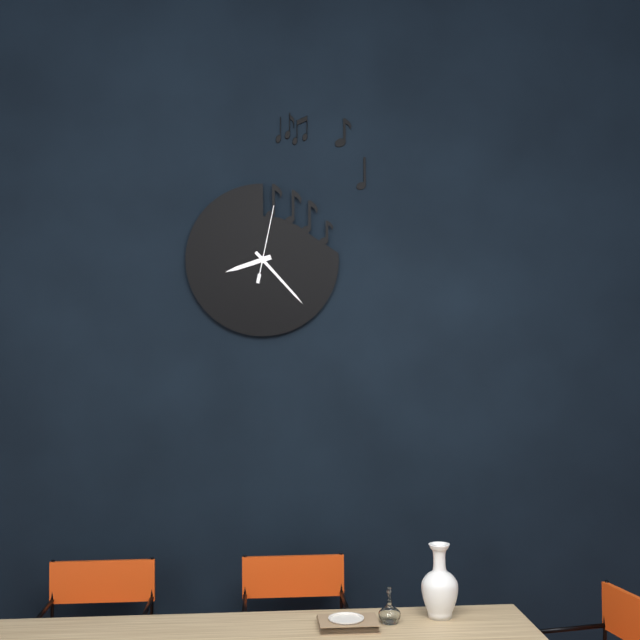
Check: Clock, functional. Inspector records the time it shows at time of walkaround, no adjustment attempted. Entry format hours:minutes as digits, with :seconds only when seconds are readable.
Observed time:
8:23:02
